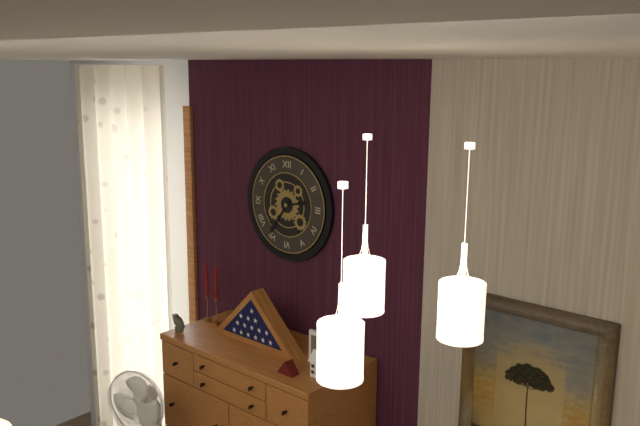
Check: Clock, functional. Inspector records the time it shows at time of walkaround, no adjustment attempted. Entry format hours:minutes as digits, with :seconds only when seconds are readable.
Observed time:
2:36
